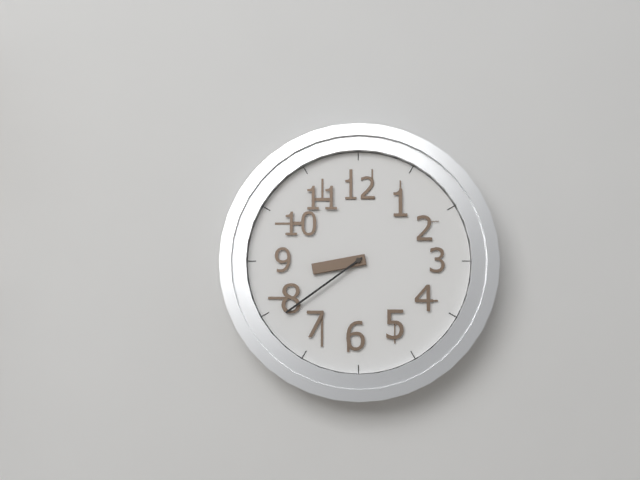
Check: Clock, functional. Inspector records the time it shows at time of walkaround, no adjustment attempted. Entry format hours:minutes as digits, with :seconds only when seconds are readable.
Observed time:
8:39
